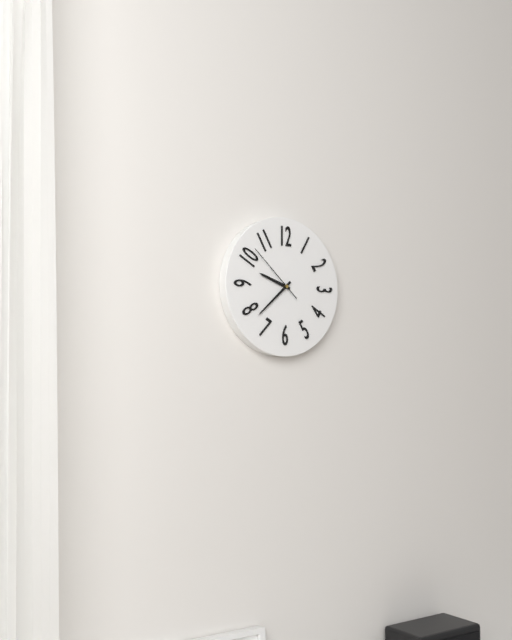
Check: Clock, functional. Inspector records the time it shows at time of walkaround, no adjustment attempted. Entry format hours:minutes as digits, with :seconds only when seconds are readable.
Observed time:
9:38:52
